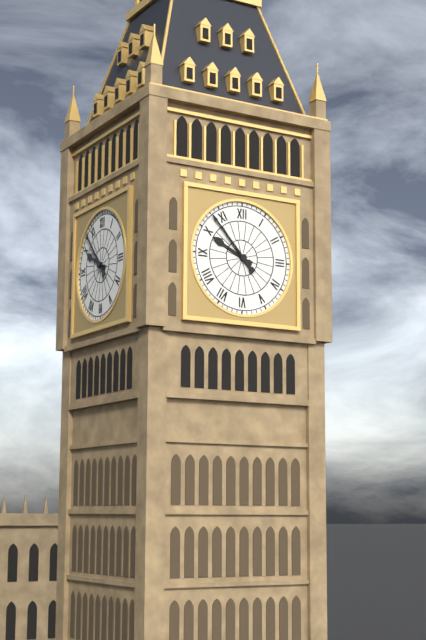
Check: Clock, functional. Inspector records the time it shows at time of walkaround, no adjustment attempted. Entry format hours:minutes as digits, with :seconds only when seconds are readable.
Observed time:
9:53
